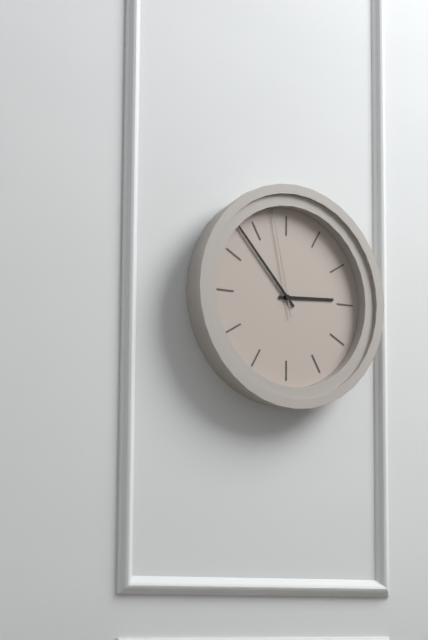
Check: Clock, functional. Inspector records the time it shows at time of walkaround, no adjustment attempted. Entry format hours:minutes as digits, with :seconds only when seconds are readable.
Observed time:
2:53:58
